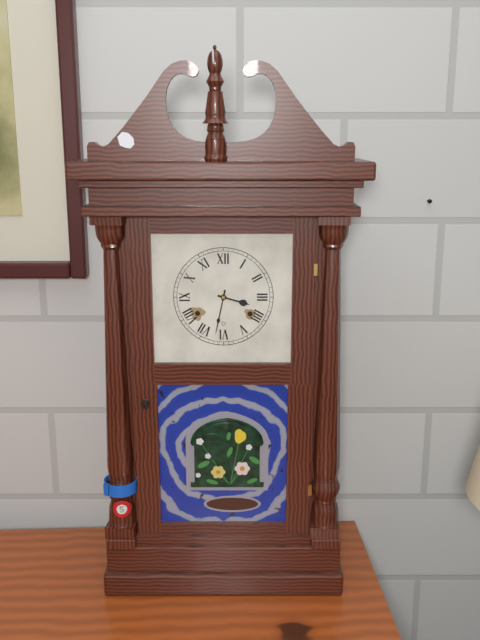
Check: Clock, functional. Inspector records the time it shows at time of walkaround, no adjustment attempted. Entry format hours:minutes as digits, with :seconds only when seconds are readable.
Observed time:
3:32
